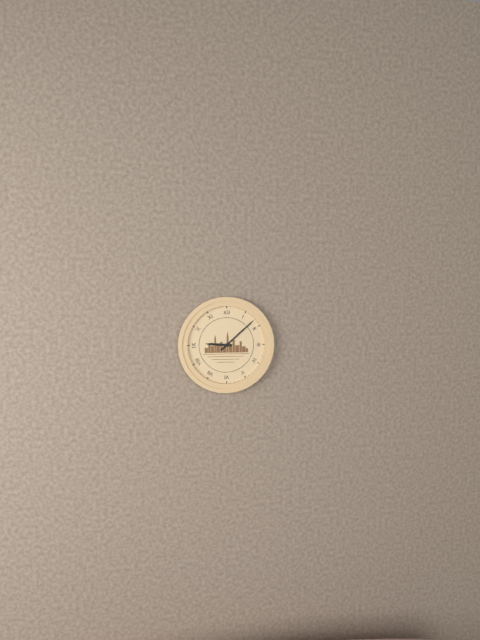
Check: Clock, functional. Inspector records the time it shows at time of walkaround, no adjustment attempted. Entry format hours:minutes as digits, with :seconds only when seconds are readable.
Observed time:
9:08
